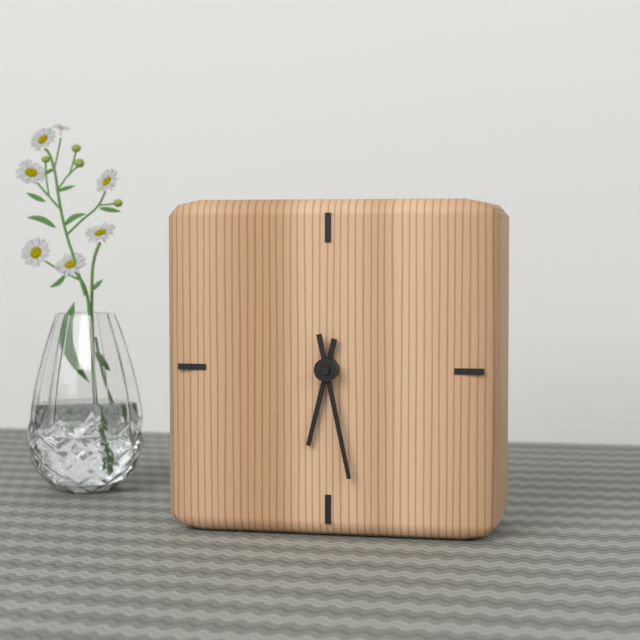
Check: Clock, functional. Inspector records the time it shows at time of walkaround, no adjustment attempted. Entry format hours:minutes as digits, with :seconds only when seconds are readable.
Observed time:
6:28
